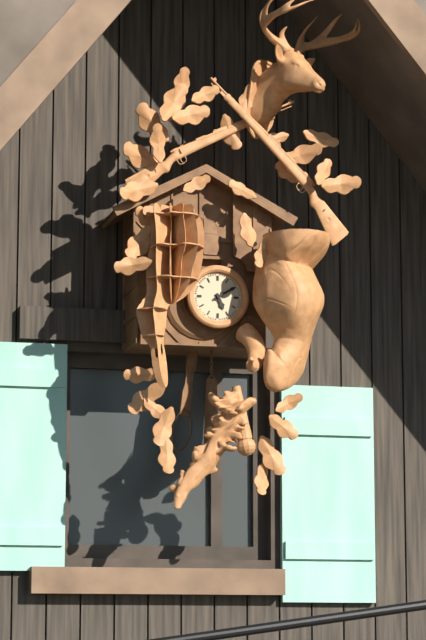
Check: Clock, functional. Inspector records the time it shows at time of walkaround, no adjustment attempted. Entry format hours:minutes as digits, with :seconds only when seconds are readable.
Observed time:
5:10
